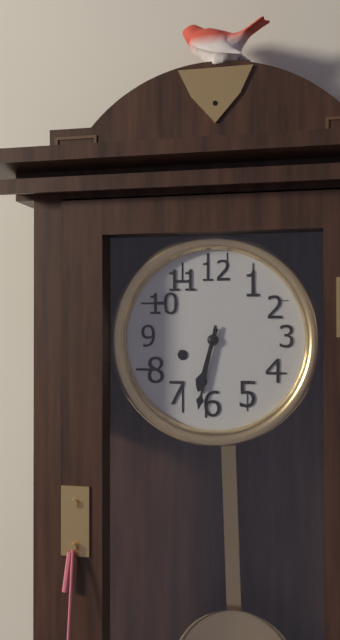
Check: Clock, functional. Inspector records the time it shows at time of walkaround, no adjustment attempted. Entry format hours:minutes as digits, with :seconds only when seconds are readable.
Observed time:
6:32
